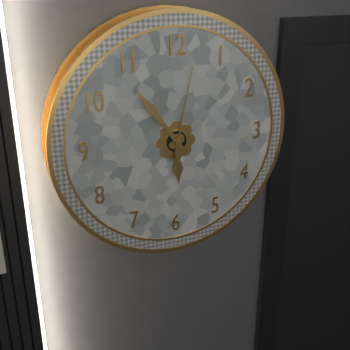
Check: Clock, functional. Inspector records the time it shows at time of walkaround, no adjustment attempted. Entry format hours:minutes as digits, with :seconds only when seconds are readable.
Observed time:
5:54:02
